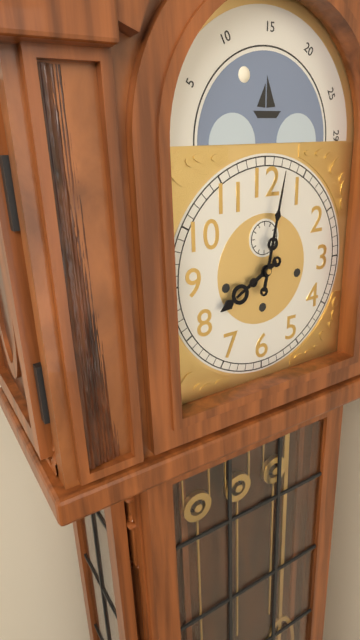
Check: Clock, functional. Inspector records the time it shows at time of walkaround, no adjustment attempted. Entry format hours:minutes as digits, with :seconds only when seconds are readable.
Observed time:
8:02
